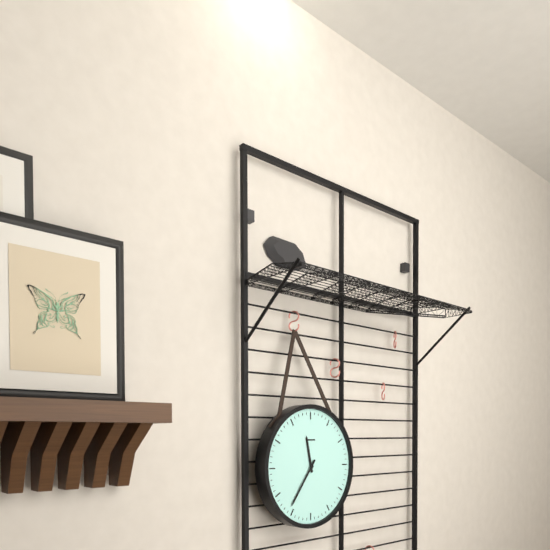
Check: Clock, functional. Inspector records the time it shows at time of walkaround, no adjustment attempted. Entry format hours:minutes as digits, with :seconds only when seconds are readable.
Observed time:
11:36
